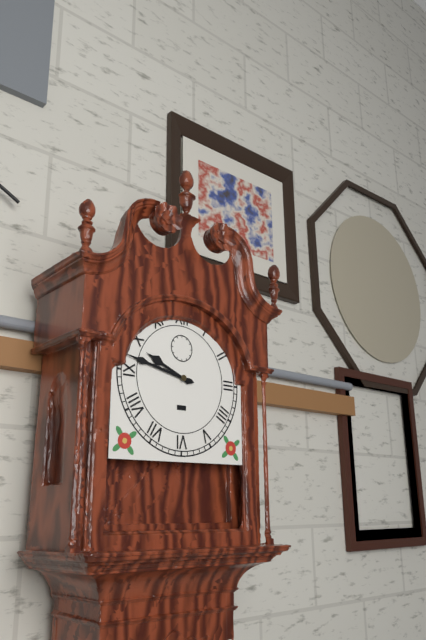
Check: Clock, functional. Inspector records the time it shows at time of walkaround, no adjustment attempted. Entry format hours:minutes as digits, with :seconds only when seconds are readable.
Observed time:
9:47
